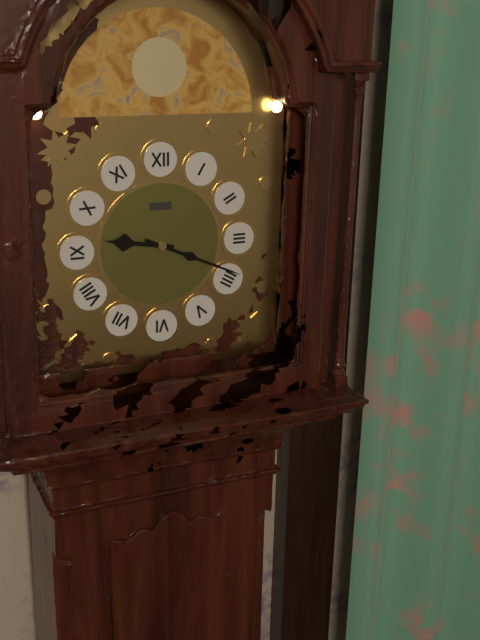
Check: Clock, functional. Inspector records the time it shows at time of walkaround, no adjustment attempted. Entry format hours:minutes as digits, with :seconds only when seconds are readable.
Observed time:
9:19
